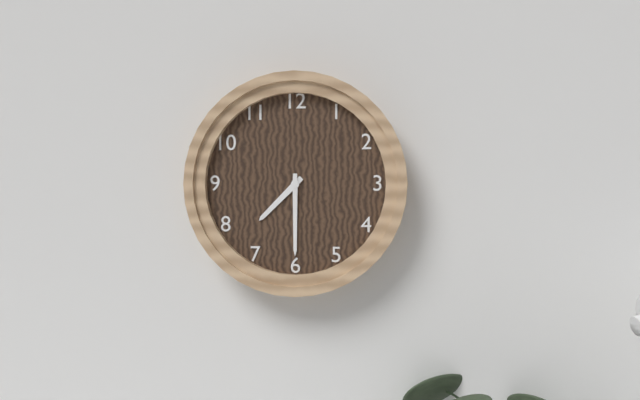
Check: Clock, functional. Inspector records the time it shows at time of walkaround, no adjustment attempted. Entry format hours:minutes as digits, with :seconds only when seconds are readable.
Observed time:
7:30
